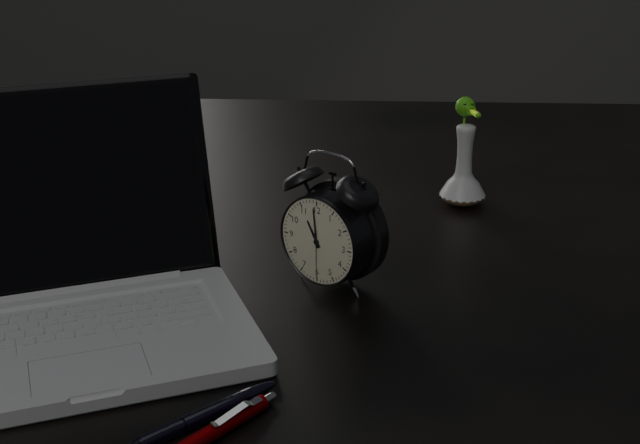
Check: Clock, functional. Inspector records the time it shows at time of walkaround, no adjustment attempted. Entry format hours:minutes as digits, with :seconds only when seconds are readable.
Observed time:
10:59:30
